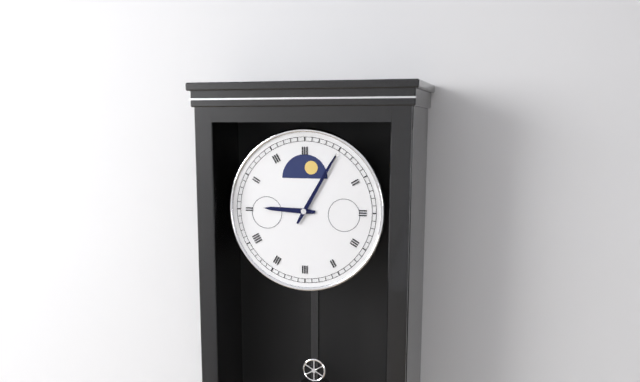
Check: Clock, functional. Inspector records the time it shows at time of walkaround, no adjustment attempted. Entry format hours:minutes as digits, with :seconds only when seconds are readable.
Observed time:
9:05
